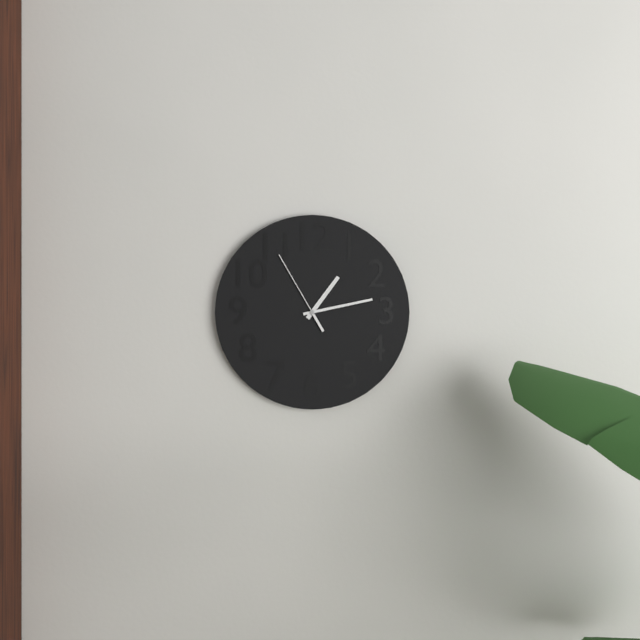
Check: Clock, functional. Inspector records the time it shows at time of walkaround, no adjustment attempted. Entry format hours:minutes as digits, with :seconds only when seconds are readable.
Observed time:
1:13:55
